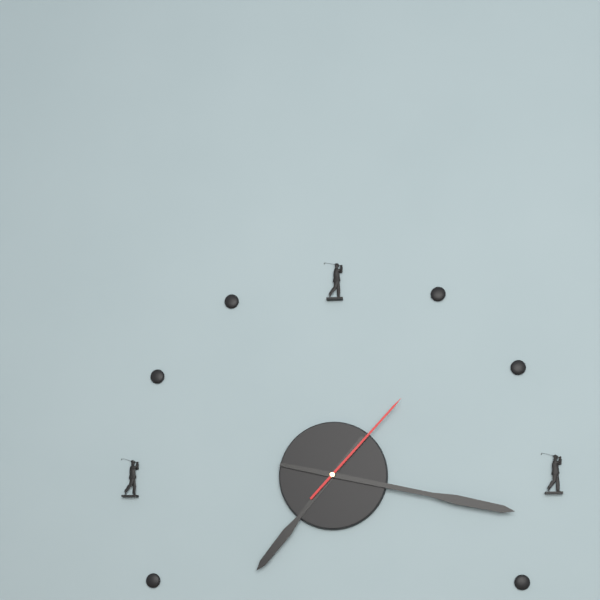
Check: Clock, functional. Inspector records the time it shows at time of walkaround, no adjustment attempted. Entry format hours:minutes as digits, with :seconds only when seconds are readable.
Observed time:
7:17:07
